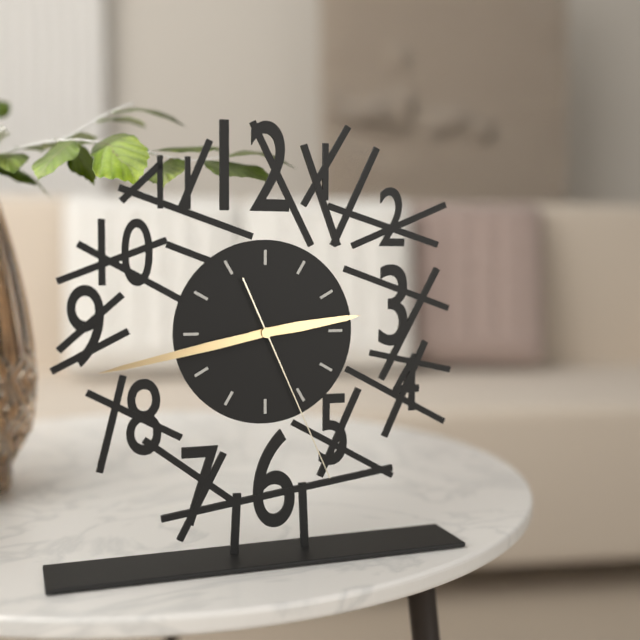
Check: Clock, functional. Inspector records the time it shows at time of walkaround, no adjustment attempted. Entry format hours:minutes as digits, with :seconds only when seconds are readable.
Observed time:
2:43:26
